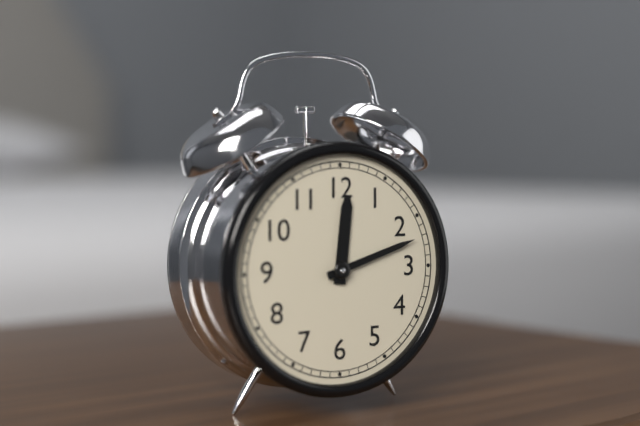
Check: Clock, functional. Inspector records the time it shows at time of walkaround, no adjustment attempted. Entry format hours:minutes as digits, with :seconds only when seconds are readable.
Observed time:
12:12
